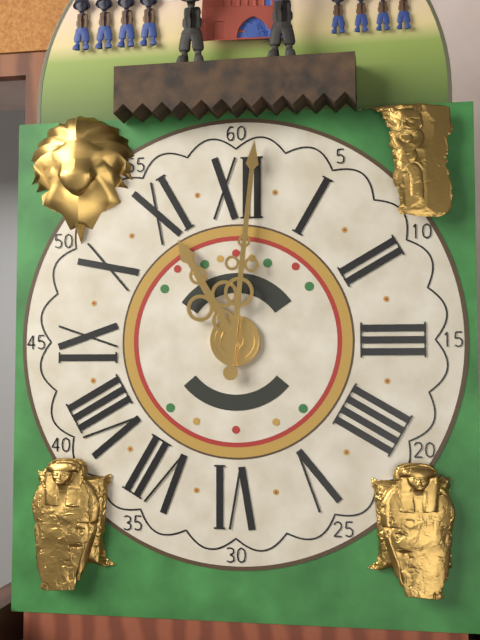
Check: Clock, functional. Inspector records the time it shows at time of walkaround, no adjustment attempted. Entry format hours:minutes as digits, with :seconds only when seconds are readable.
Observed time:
11:01
